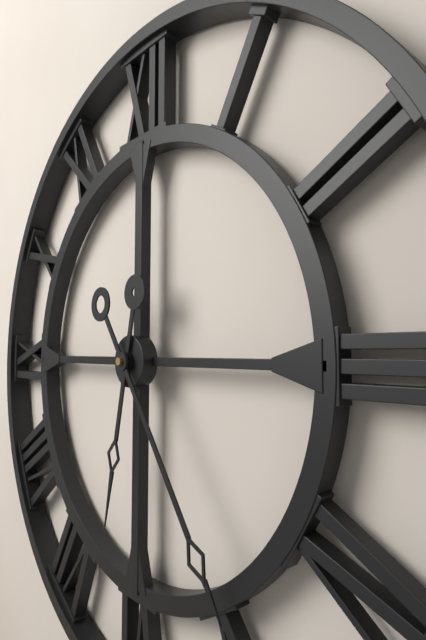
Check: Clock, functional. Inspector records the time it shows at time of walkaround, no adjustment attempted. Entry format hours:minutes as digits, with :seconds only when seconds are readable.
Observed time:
6:24
